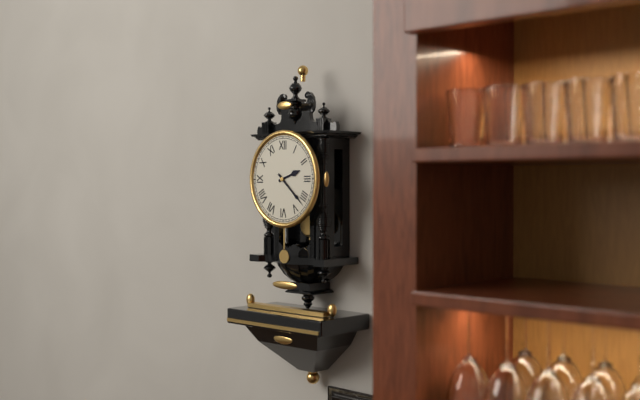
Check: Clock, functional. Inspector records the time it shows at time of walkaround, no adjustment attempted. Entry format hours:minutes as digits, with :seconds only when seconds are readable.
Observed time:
2:22
